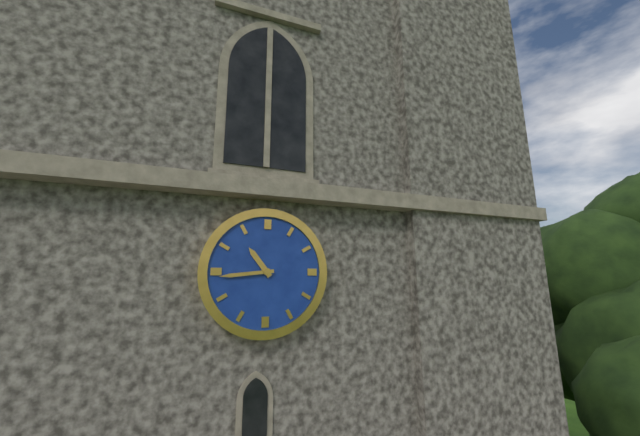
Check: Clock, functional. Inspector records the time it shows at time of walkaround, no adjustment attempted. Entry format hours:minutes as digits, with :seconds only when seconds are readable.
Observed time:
10:44
